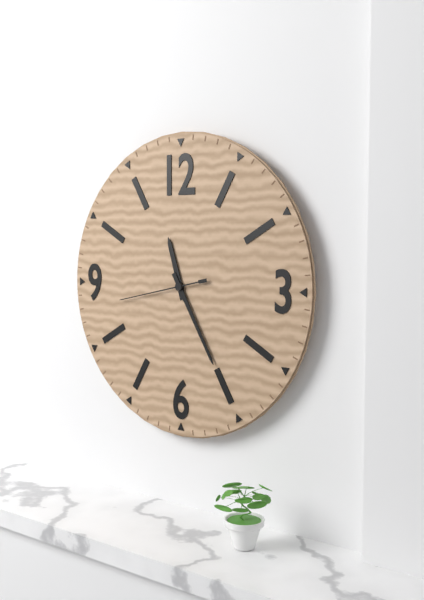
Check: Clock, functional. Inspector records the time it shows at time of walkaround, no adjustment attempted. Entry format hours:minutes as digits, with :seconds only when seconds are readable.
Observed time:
11:25:43
